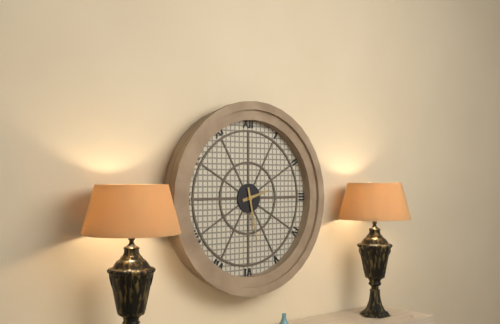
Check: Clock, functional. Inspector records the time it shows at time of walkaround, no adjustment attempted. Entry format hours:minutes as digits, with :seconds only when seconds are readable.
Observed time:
2:28
